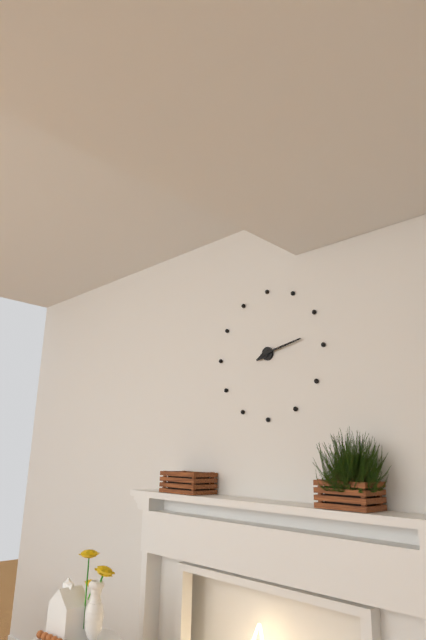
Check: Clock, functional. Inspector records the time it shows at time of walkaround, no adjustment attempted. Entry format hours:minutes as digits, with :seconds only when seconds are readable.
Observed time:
8:13
